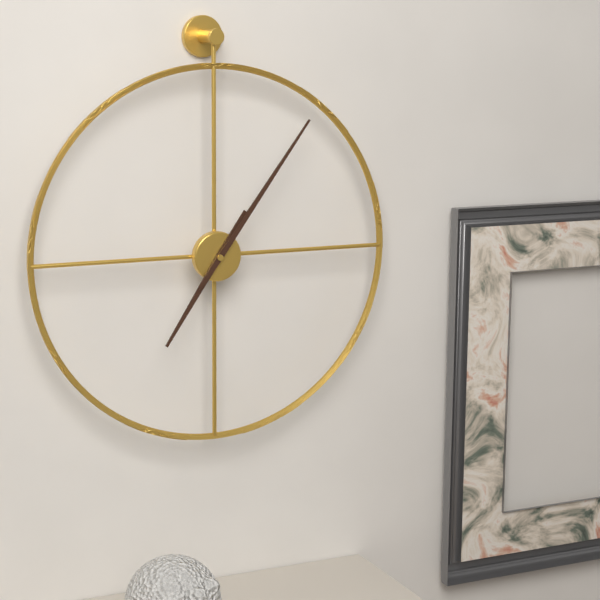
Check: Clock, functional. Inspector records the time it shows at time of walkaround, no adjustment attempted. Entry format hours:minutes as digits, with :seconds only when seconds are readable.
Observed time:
7:06
